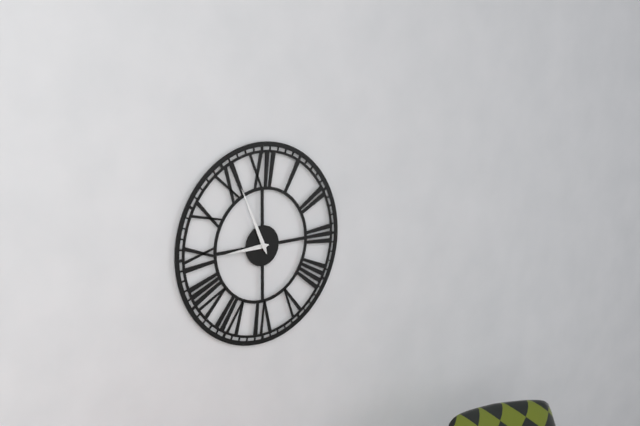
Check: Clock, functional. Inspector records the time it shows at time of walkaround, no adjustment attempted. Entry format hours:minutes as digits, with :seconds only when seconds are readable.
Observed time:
8:56
